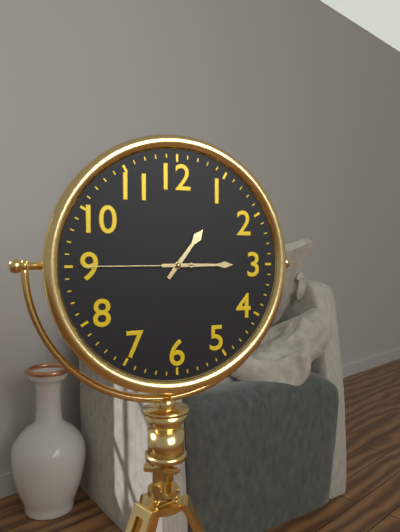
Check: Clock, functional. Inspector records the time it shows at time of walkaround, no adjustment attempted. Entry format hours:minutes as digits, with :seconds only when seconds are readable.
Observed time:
1:15:45
